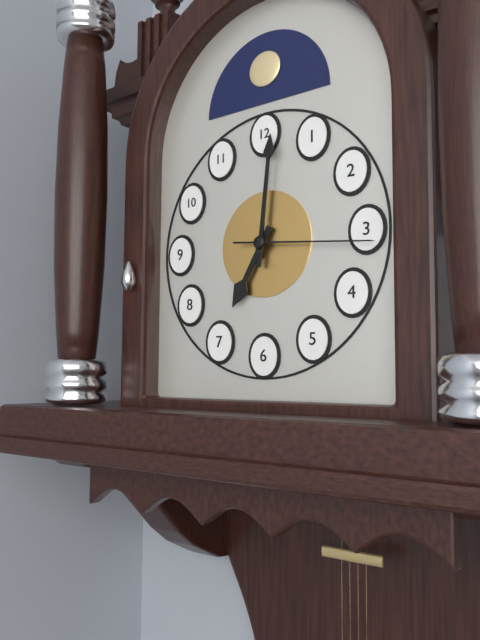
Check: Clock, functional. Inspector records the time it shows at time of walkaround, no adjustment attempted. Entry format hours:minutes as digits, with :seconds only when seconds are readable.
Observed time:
7:01:16
